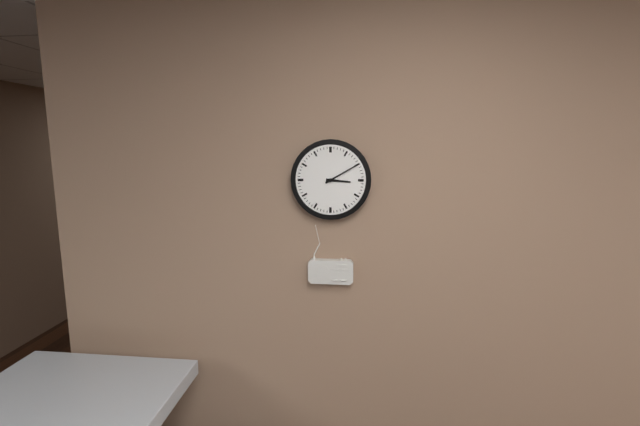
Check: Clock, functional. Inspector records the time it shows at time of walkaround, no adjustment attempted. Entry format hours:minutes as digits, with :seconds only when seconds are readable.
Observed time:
3:10
